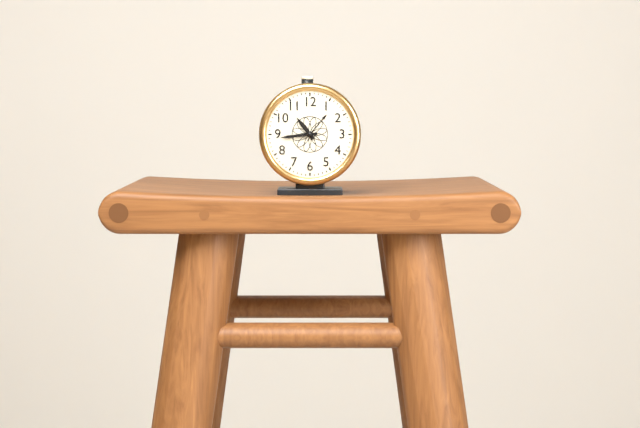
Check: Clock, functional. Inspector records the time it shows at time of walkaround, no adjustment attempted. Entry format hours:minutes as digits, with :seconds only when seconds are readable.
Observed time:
10:44
